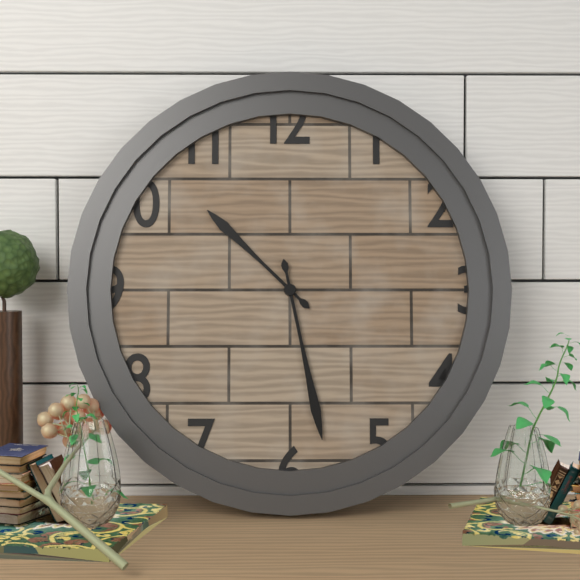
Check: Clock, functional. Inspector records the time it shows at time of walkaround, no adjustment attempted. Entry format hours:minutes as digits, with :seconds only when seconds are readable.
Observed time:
10:28
